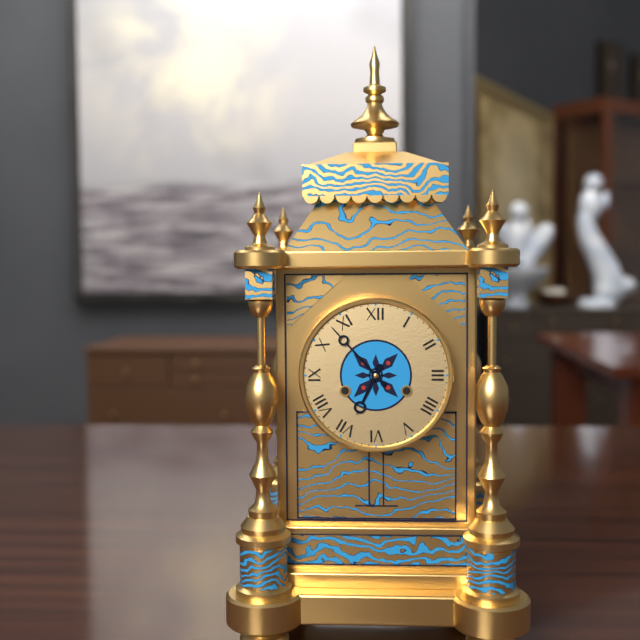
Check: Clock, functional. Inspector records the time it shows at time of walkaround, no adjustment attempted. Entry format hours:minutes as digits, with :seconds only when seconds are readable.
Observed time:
6:53
